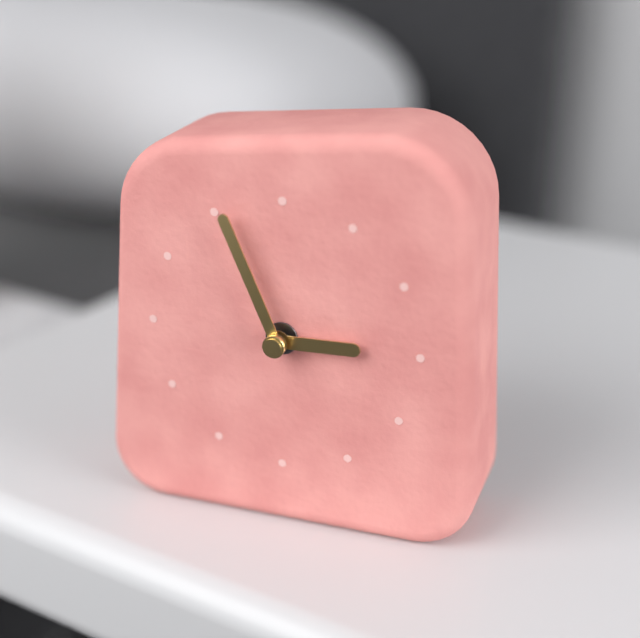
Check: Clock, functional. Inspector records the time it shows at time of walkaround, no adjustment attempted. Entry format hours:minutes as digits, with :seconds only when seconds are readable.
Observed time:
2:56
